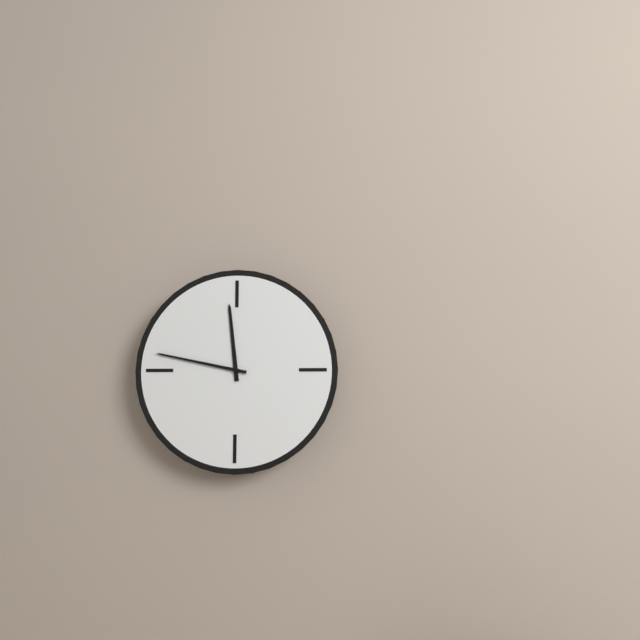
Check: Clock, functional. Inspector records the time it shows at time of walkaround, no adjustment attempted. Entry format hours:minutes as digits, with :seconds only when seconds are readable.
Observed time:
11:47
